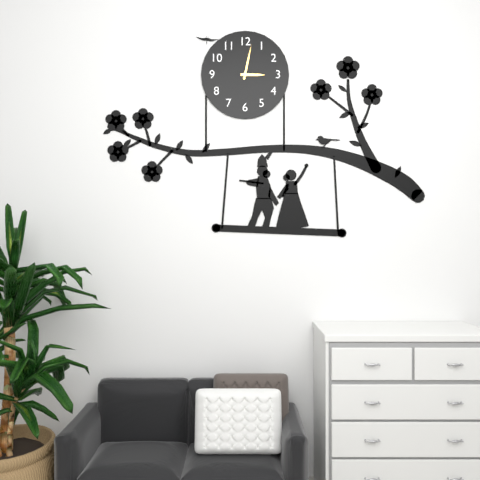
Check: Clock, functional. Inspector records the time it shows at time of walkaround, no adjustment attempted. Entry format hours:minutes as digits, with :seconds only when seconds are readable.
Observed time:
3:02
